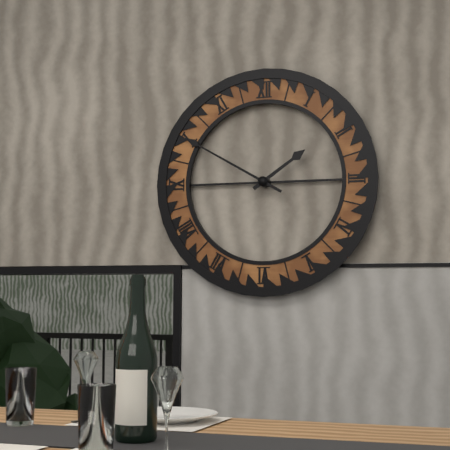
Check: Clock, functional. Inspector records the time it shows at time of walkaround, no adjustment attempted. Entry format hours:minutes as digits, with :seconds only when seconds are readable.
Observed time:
1:50
